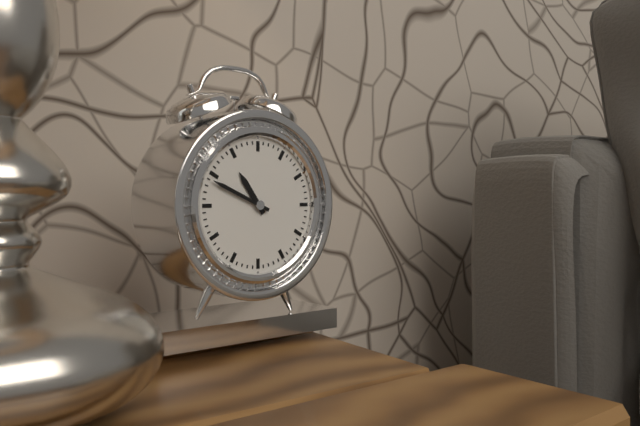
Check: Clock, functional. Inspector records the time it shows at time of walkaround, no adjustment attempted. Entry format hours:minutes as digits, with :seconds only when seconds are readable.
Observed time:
10:49
